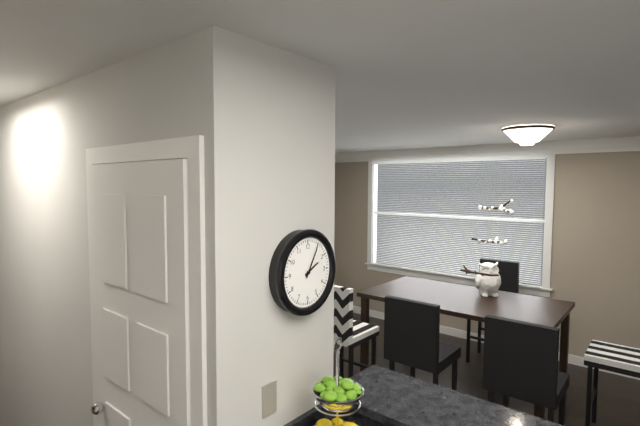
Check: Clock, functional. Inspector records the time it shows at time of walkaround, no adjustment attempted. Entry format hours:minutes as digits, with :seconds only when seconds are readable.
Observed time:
2:05
